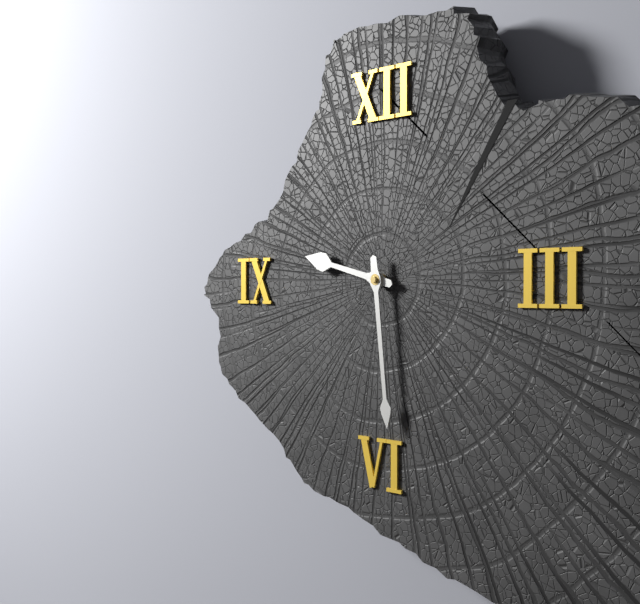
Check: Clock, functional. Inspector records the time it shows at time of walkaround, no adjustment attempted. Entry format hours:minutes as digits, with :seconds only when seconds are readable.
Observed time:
9:29
